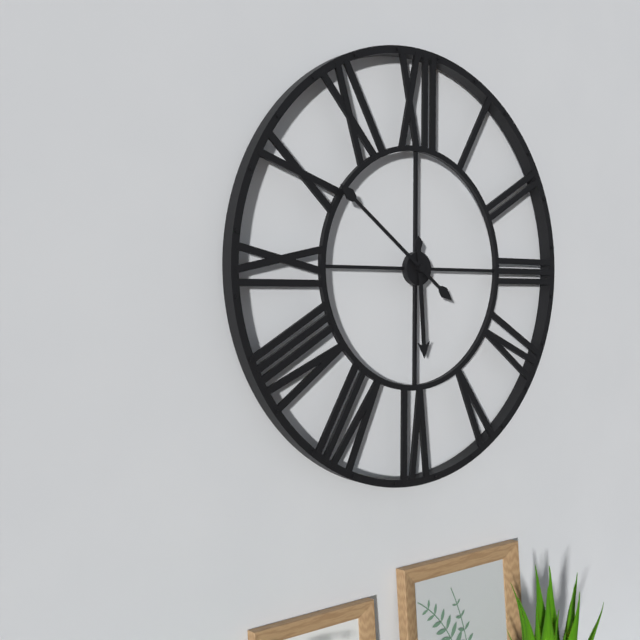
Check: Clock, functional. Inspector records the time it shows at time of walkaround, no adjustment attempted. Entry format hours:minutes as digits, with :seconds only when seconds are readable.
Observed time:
5:51
